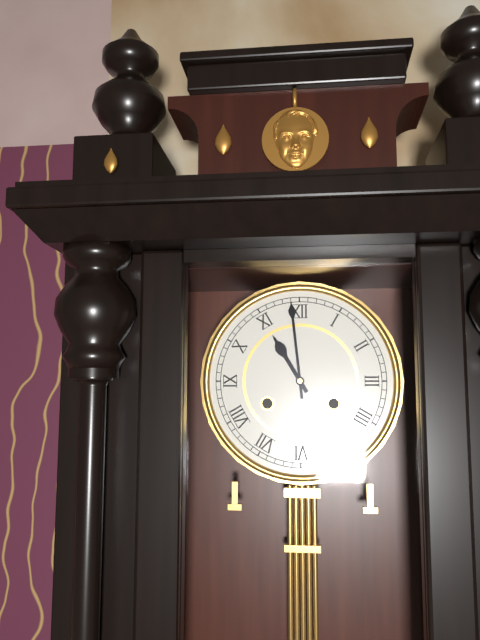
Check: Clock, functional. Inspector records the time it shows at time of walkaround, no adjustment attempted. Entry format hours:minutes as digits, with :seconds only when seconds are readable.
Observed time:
10:59
